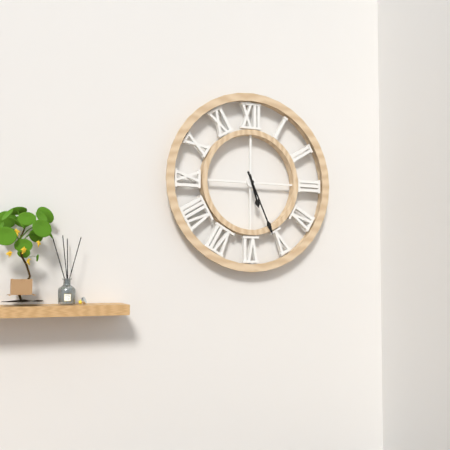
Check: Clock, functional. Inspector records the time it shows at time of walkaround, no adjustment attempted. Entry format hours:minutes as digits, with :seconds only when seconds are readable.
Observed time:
5:26
